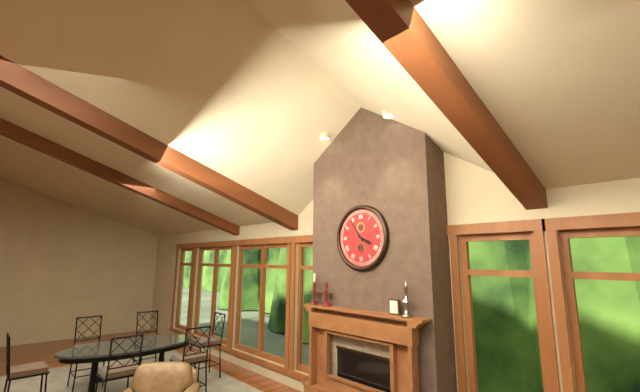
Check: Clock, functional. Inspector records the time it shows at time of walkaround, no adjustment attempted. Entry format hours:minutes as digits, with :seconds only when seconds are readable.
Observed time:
3:54
